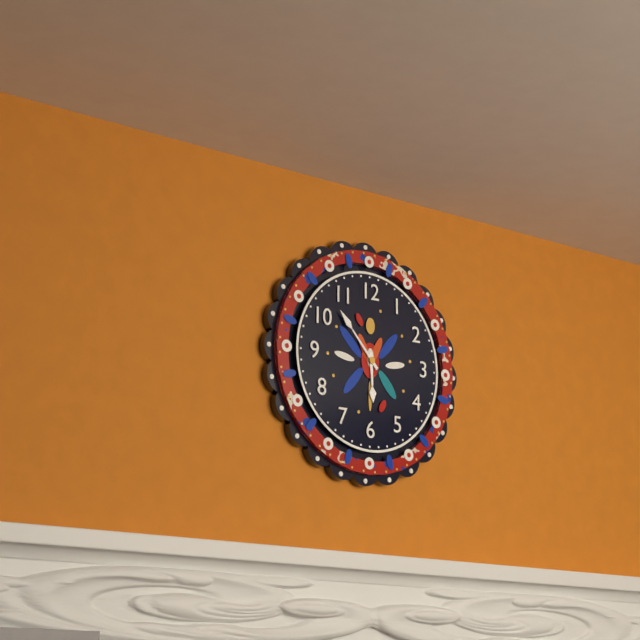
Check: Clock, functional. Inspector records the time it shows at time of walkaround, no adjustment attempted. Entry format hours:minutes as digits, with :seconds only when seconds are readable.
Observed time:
5:53
